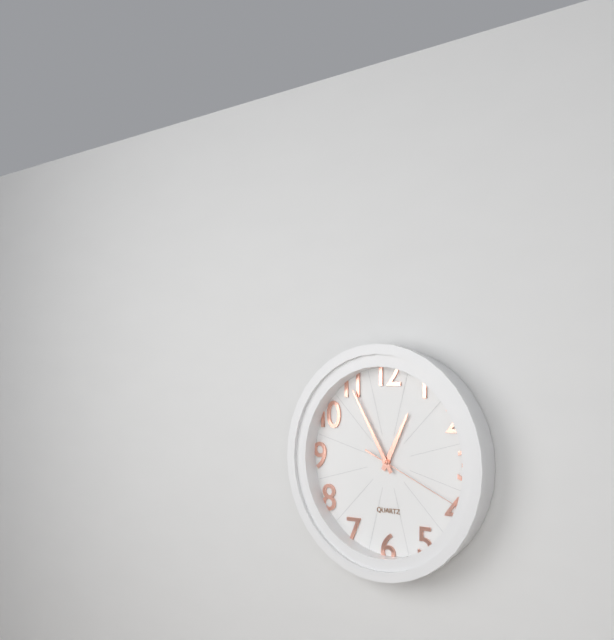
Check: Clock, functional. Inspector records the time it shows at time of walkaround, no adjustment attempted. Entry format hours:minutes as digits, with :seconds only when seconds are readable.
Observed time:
12:55:19
